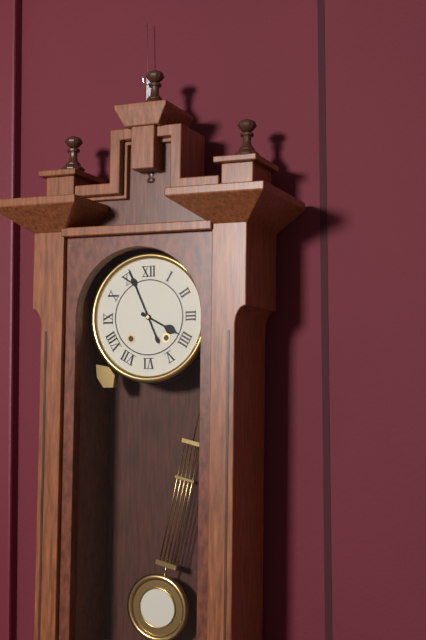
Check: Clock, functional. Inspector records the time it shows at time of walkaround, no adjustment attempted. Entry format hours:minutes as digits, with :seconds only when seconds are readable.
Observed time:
3:56
